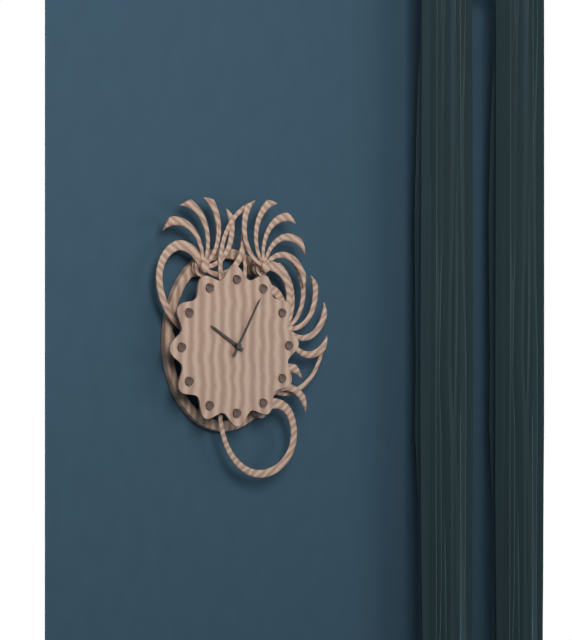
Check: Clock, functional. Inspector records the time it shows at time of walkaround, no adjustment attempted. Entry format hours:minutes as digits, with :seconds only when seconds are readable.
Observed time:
10:05
